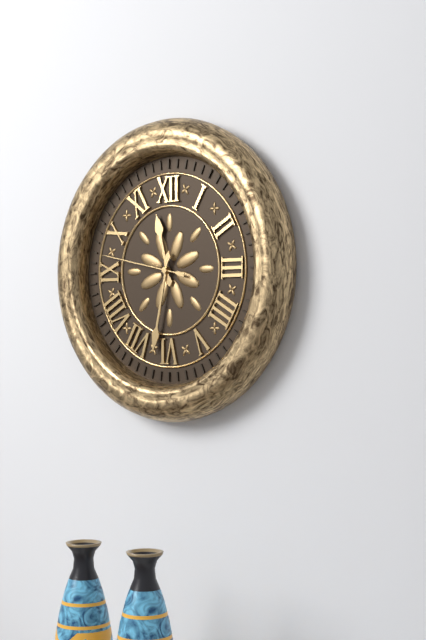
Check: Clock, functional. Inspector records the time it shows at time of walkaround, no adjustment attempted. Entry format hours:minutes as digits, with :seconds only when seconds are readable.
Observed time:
11:32:47
